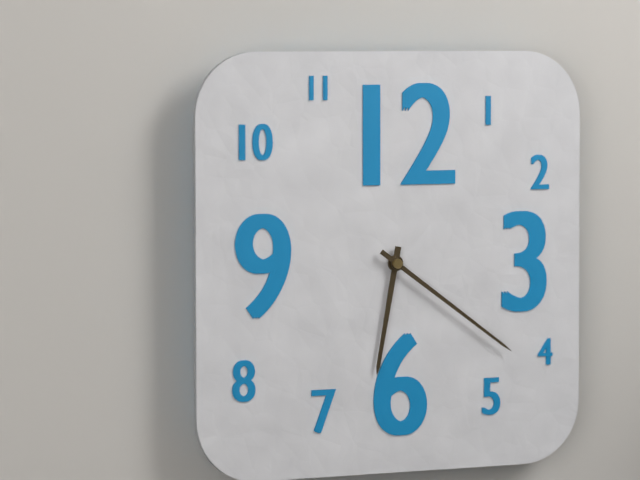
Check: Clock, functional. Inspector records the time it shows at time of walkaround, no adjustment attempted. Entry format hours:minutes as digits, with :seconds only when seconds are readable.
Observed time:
6:21
